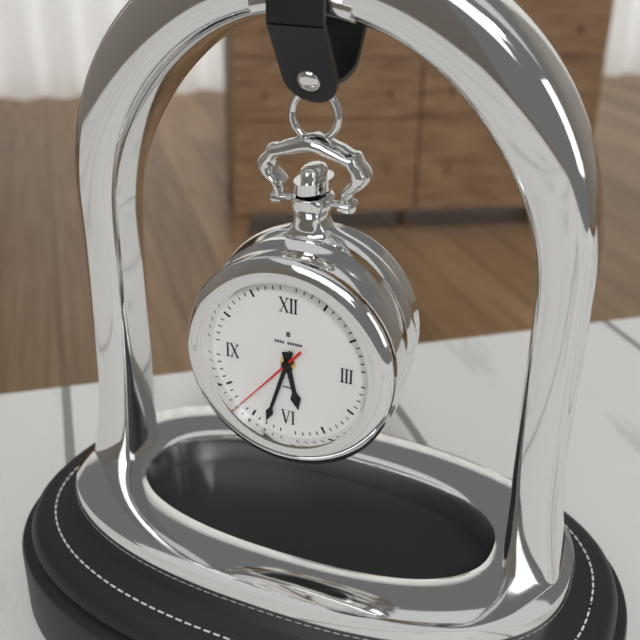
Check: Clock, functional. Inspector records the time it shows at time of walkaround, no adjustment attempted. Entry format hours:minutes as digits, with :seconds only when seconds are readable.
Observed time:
5:33:37
